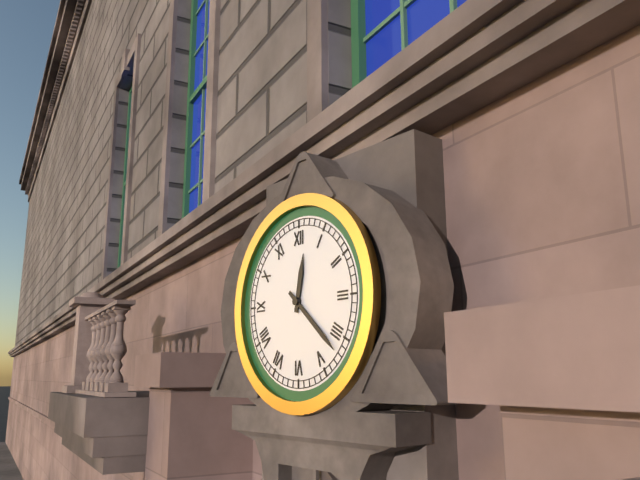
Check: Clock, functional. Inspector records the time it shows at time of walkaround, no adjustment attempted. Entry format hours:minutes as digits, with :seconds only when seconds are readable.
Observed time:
12:22
